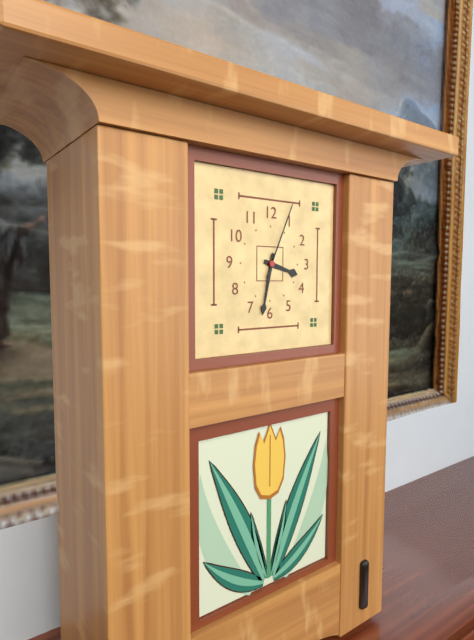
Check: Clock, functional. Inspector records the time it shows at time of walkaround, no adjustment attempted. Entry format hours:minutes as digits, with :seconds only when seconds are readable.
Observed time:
3:32:04
